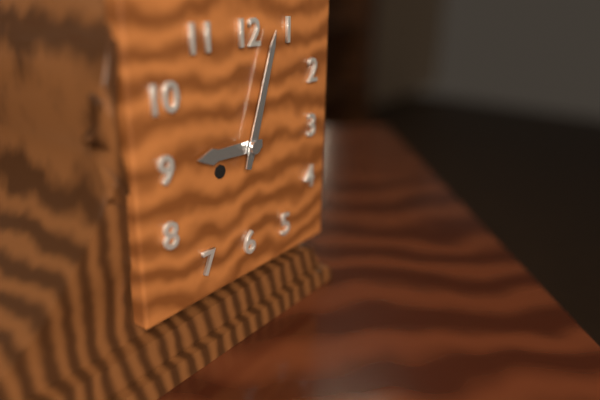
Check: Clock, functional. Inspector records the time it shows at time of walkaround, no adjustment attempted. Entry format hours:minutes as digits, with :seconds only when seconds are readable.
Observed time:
9:03
